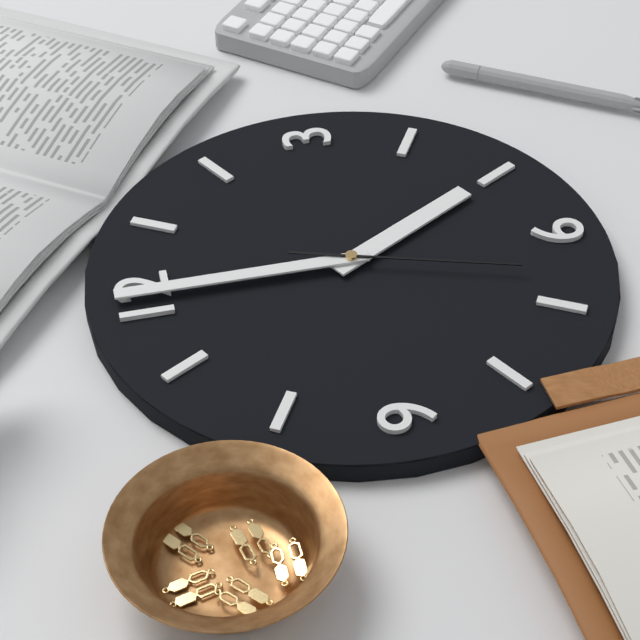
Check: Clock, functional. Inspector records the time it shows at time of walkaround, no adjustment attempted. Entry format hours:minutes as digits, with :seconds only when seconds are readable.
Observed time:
5:00:33
